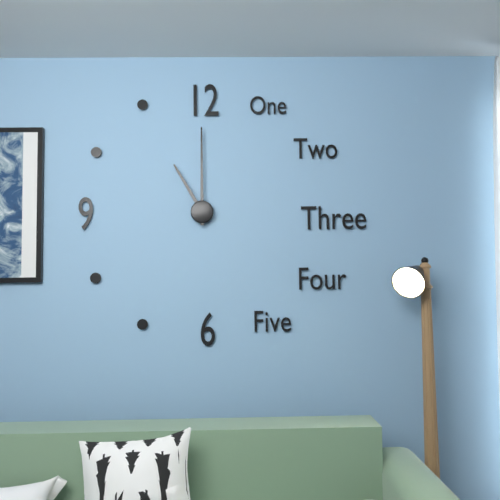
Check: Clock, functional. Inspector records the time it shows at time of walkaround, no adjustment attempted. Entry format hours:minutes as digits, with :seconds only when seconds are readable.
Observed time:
11:00
